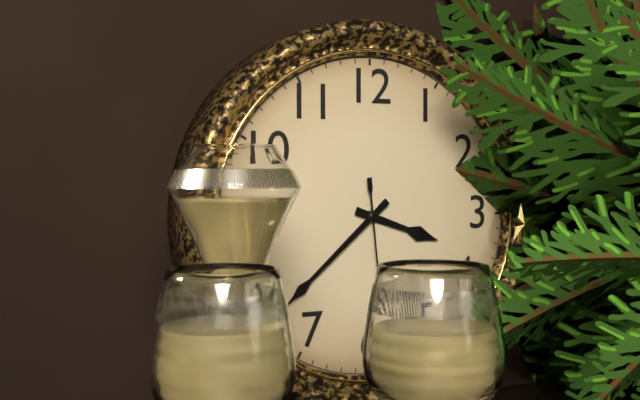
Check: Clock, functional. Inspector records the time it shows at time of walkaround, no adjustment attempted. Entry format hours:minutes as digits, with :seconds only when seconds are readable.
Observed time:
3:38
